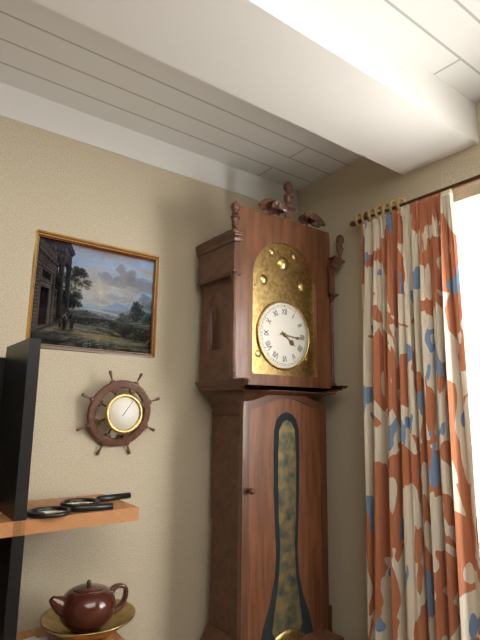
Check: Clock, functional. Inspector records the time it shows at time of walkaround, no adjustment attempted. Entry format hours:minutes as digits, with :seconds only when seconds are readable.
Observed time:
4:16
